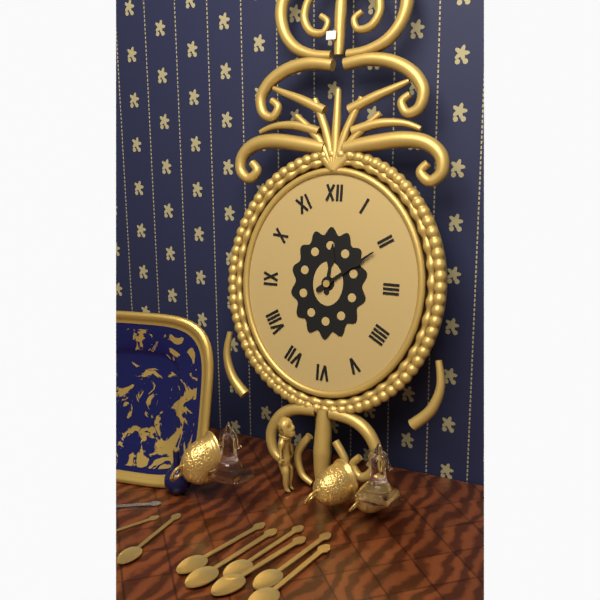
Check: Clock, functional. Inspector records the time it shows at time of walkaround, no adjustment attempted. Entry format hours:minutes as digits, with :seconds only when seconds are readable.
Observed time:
12:09
